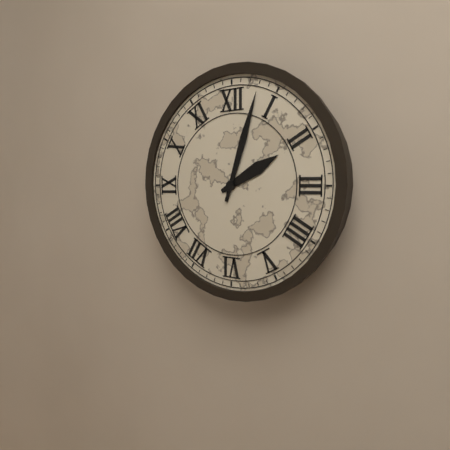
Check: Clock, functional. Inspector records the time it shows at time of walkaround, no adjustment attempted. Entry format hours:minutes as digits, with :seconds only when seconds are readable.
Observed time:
2:03
